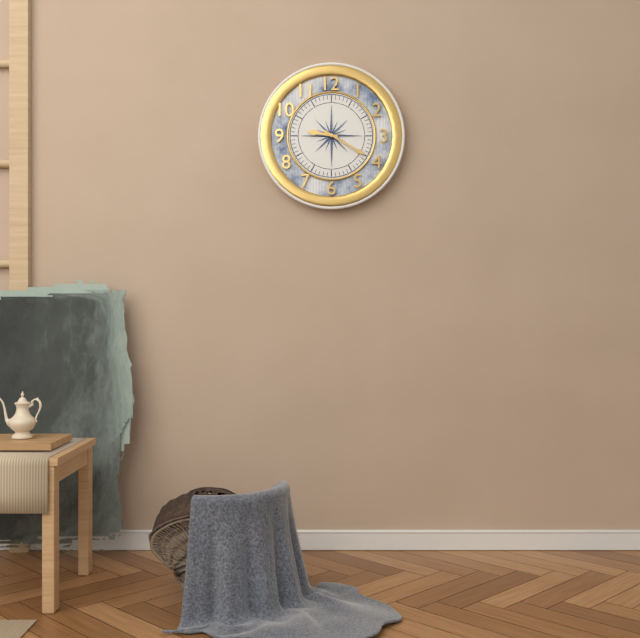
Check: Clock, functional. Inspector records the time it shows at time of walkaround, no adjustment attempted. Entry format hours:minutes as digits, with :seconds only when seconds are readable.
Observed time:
9:20
